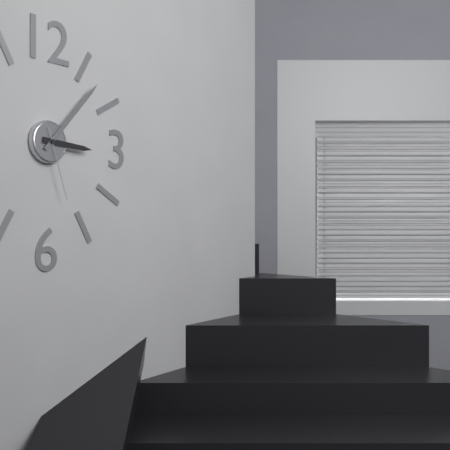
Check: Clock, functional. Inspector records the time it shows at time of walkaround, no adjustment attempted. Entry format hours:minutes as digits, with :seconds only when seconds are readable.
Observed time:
3:07:27
